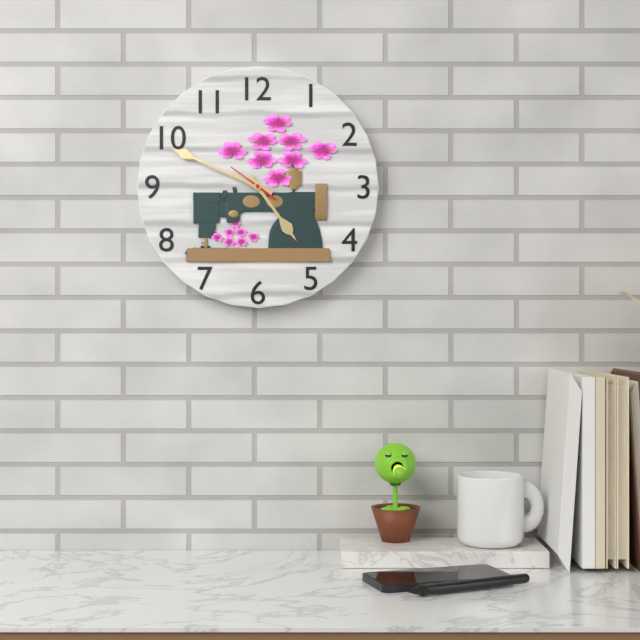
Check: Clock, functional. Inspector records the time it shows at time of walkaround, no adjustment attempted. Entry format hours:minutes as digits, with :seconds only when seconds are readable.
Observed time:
4:49
